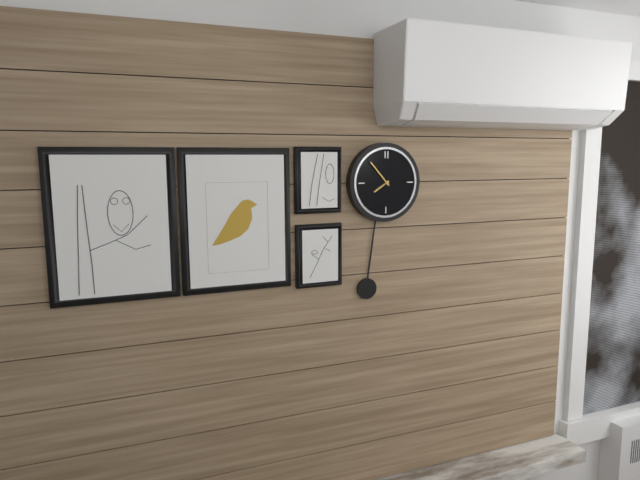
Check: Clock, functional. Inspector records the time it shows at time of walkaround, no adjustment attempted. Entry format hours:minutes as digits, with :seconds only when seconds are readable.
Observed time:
7:53
